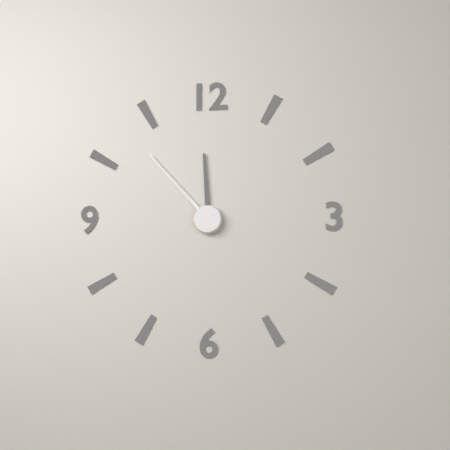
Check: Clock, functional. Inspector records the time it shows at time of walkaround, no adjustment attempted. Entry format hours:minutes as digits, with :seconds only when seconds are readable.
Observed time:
11:53
